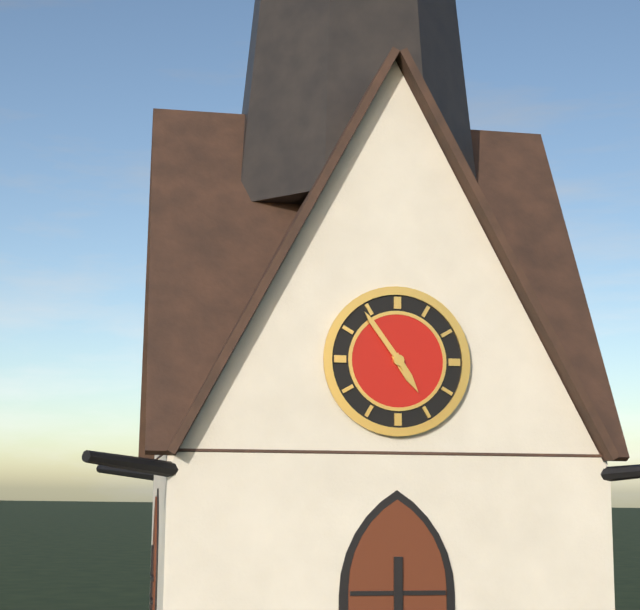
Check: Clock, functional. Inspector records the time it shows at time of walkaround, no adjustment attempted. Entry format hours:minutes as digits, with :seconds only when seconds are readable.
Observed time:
4:54
